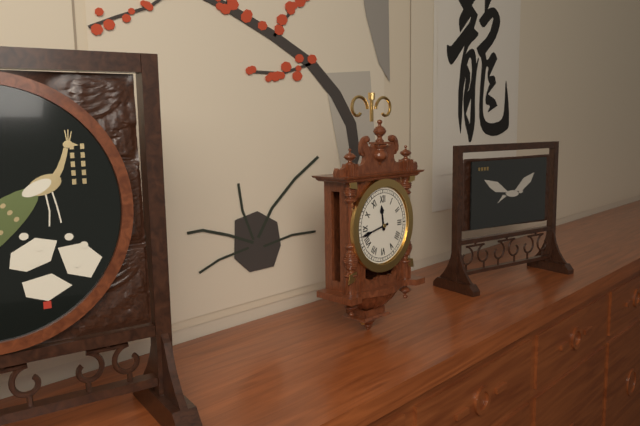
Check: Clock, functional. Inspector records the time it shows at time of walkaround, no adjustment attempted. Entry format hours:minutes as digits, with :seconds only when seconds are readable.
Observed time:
11:43
